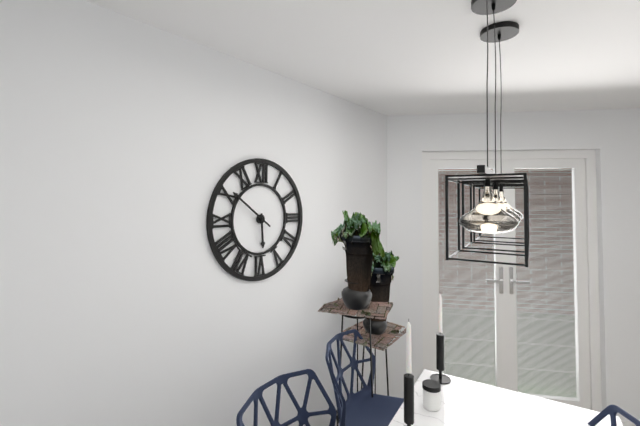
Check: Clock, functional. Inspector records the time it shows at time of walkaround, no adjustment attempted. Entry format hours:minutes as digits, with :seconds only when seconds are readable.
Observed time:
5:51
